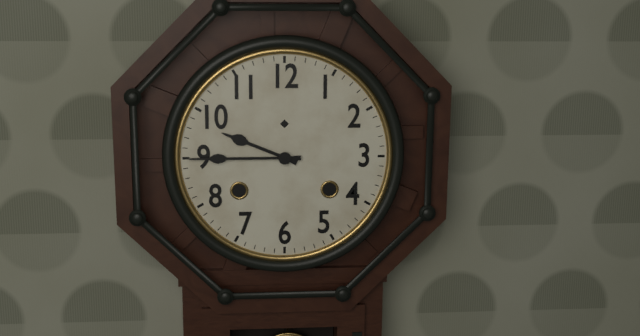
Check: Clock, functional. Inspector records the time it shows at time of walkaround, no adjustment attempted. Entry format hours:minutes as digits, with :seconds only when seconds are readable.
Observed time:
9:45
